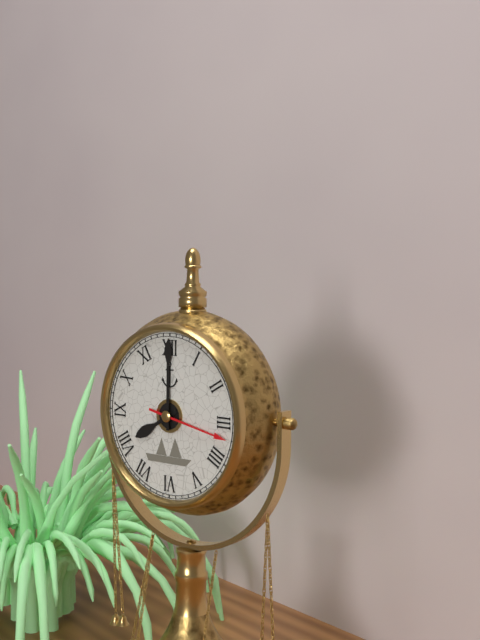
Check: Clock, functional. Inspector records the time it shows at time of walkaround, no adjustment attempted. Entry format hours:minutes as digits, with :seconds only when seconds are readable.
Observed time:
8:00:17
